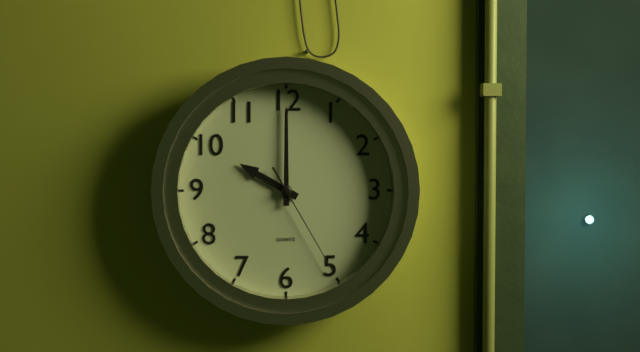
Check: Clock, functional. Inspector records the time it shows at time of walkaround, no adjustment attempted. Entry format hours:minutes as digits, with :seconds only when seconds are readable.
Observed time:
10:00:25
